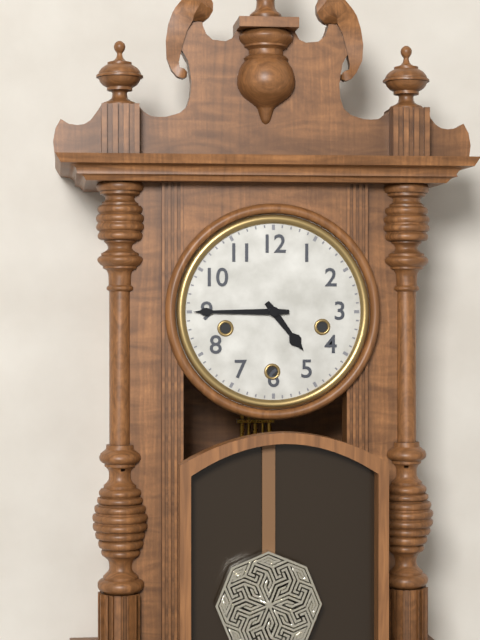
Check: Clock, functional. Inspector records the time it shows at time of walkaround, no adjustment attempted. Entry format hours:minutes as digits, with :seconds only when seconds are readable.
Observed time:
4:45
